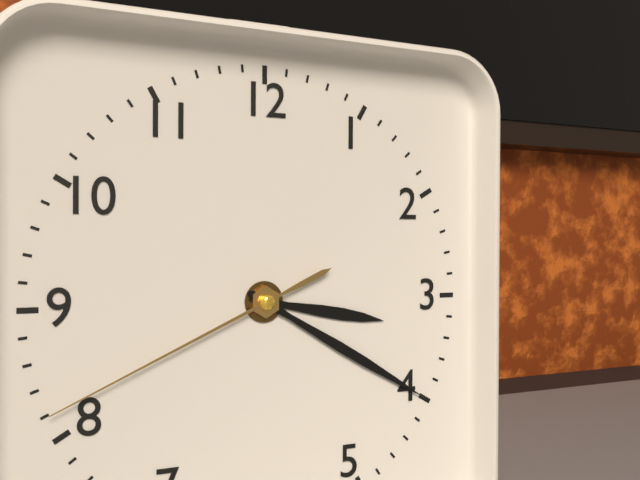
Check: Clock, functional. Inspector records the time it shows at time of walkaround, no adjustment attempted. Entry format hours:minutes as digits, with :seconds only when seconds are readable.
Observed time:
3:20:41
